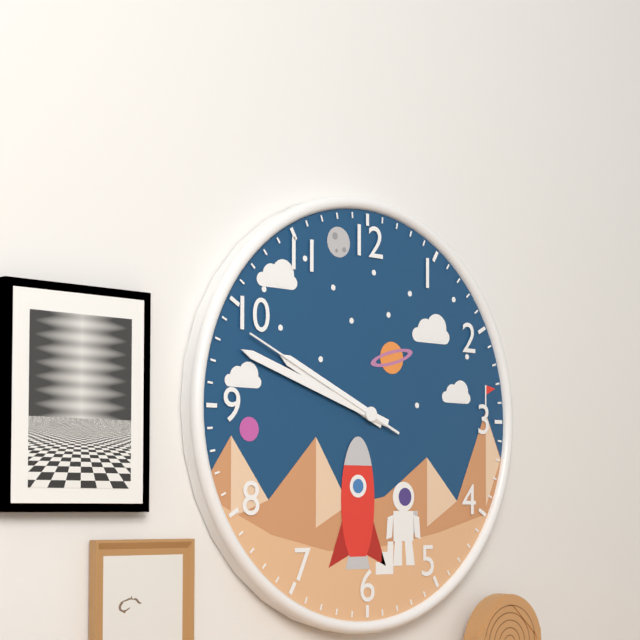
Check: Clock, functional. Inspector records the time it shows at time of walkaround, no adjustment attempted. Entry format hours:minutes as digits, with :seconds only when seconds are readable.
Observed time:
9:48:49
